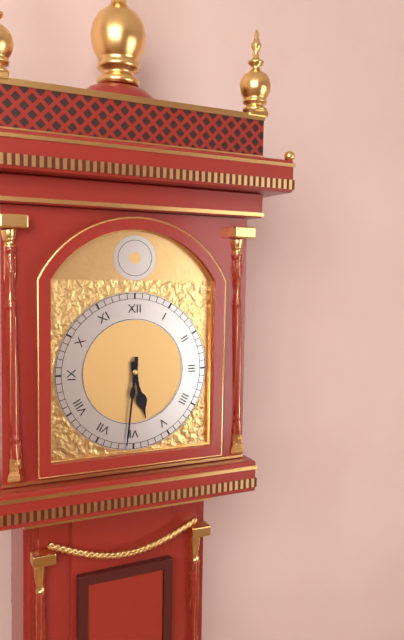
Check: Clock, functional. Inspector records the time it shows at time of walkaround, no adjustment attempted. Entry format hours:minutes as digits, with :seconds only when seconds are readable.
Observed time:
5:31
